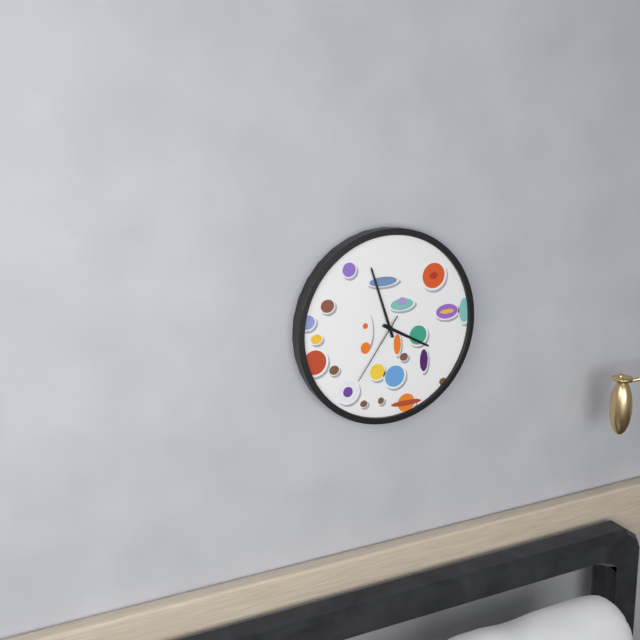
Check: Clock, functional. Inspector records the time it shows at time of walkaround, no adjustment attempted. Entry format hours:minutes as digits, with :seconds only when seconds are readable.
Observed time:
3:57:36
